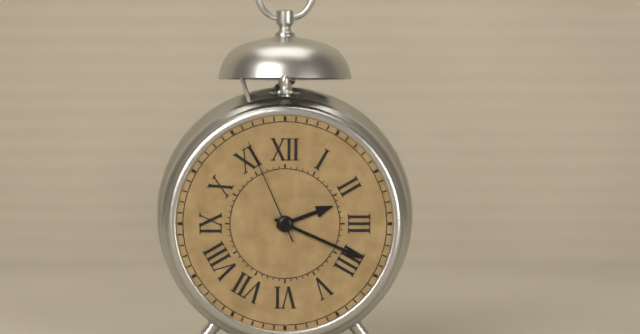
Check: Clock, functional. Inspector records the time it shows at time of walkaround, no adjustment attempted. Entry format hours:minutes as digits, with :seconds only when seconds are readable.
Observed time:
2:19:56
